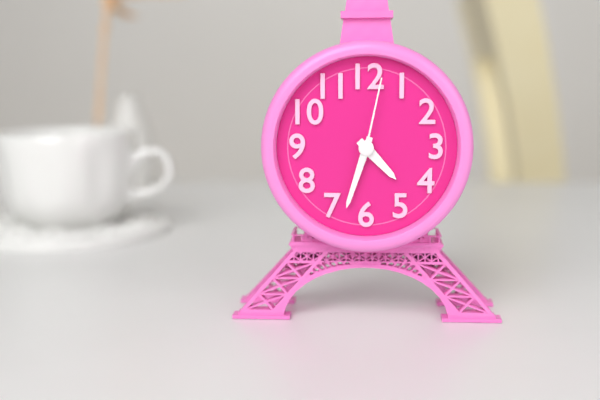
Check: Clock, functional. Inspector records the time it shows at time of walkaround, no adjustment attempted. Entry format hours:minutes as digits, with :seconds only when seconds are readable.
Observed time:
4:33:02
